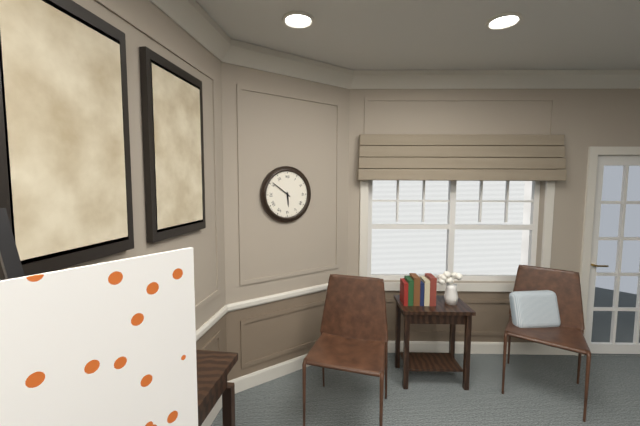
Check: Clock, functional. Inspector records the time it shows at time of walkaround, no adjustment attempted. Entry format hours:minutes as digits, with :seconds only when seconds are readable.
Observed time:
5:51
